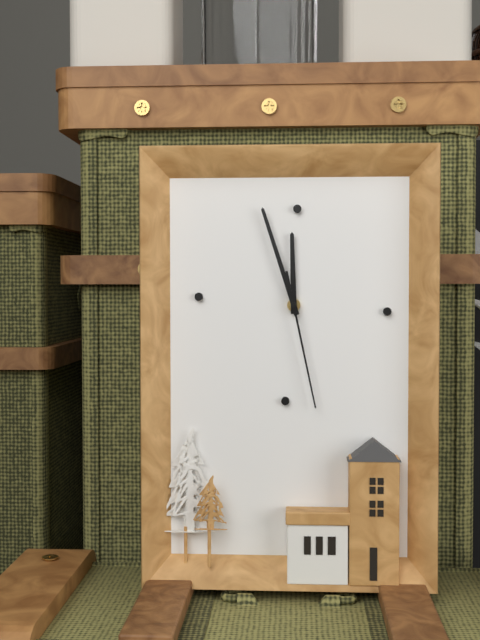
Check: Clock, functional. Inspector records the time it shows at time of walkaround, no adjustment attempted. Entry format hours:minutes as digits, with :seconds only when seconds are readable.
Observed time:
11:57:28
